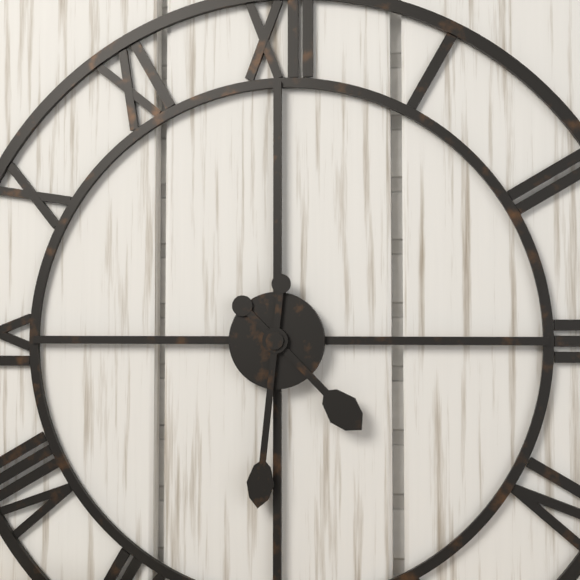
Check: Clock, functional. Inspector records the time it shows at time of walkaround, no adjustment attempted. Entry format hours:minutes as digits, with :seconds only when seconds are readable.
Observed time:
4:31
